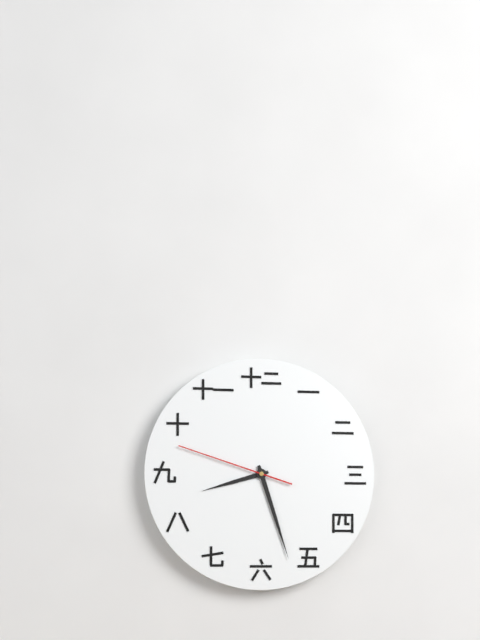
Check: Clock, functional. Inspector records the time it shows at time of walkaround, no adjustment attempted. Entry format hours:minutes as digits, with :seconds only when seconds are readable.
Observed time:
8:27:48
